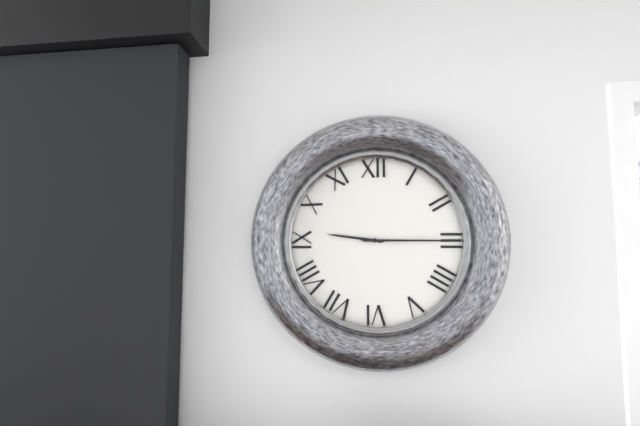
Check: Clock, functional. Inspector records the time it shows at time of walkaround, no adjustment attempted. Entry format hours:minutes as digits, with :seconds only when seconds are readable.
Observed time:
9:15
